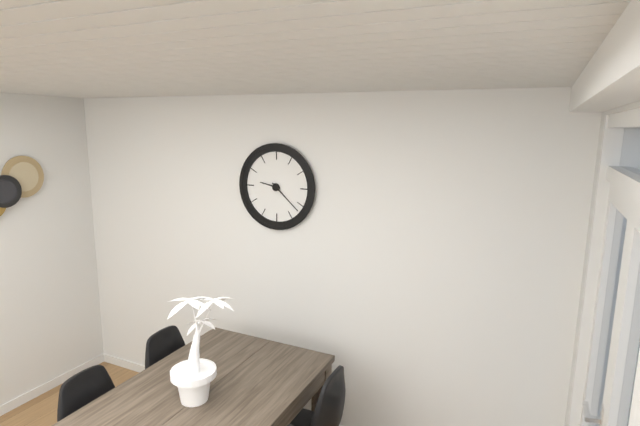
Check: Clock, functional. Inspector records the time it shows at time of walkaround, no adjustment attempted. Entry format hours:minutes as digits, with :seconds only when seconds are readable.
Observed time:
9:22
